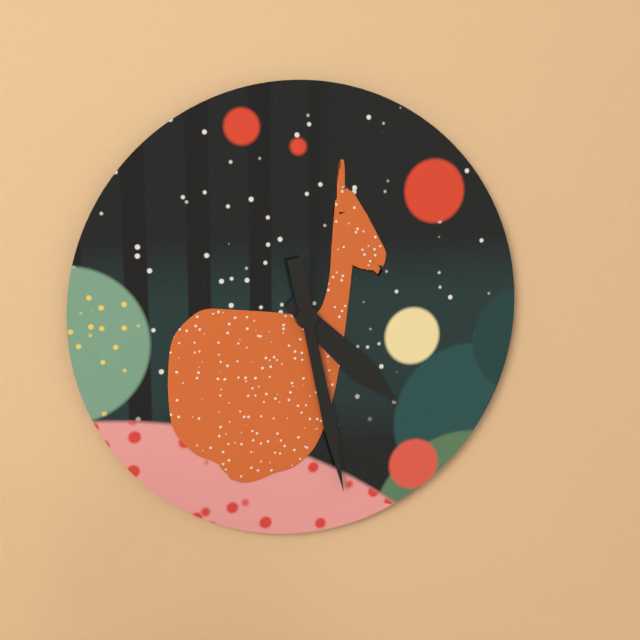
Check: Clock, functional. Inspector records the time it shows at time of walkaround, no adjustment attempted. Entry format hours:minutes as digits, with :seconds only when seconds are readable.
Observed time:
4:28
